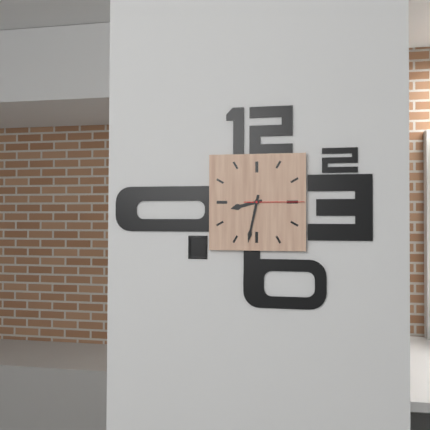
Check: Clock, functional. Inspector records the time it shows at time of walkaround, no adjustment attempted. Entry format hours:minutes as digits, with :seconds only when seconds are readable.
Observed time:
8:32:15
